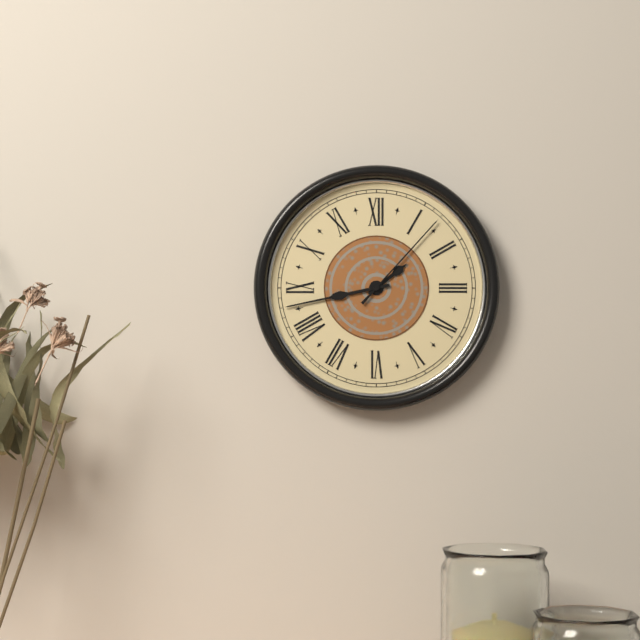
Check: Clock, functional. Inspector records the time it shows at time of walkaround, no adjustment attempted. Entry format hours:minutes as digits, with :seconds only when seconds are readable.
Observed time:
1:43:07
